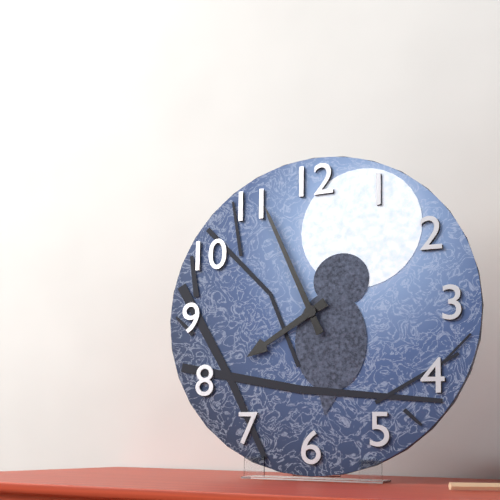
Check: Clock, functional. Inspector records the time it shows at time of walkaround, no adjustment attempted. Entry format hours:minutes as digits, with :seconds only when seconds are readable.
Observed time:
7:56
